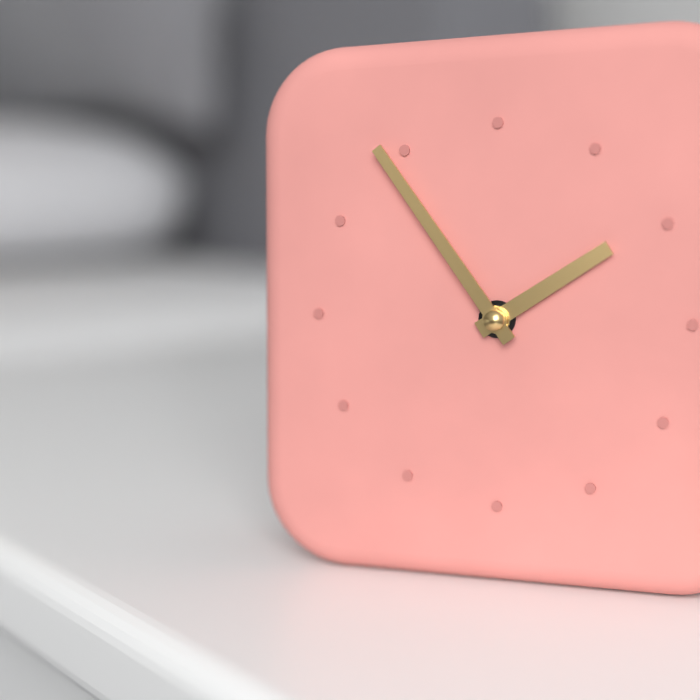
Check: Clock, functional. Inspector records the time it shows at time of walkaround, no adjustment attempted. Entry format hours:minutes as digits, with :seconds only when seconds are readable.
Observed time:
1:54
